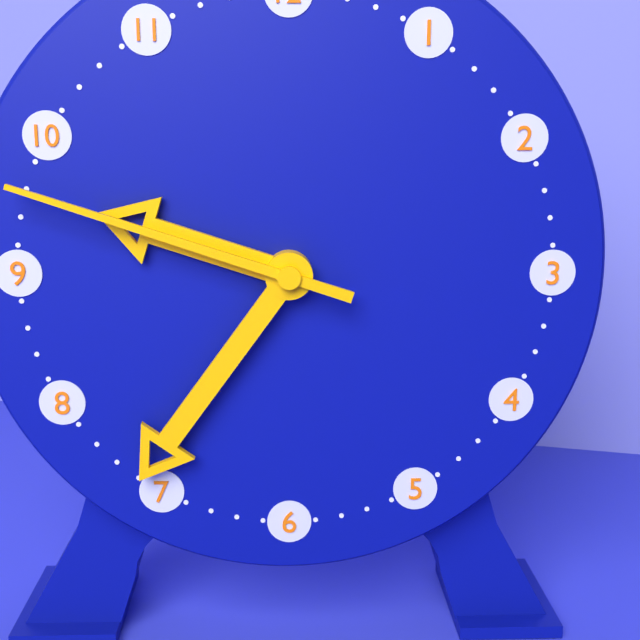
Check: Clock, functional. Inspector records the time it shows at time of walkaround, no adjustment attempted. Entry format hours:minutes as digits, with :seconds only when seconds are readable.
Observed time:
9:36:48
